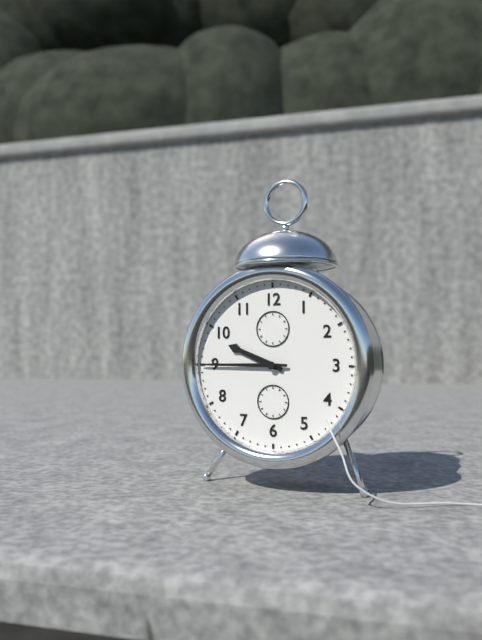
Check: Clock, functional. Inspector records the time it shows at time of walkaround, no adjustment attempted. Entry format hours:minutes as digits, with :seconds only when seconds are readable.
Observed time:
9:45
